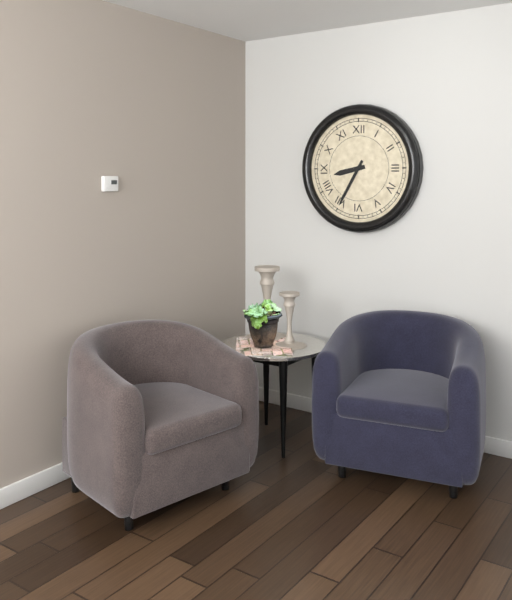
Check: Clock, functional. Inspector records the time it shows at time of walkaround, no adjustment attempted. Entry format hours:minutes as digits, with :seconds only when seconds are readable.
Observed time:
8:35
